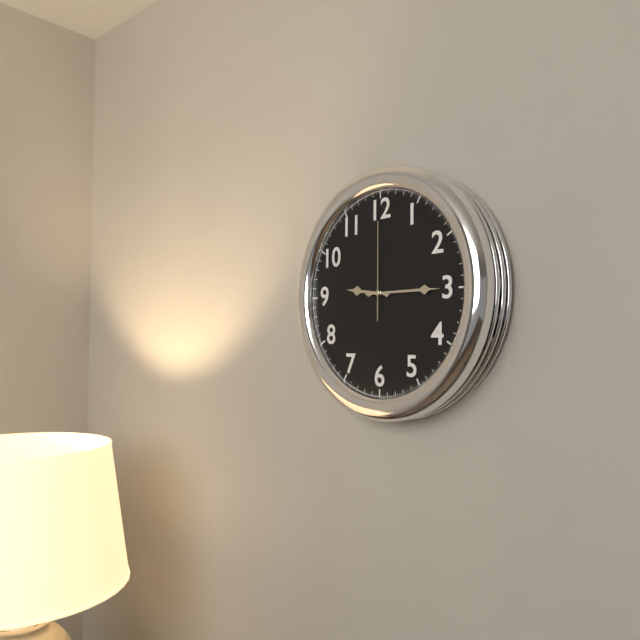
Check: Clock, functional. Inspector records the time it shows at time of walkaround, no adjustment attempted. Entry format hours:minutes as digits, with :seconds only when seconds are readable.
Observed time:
9:15:00
